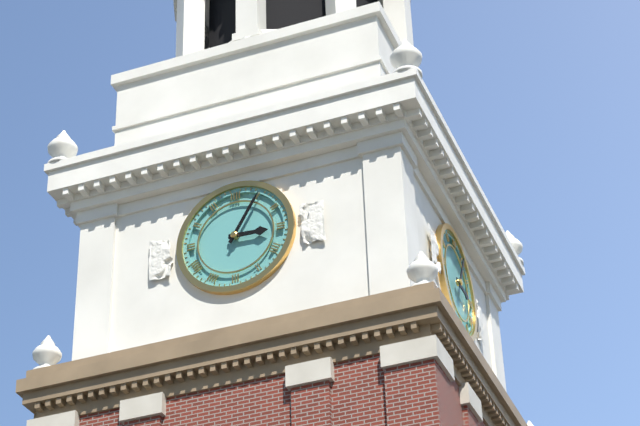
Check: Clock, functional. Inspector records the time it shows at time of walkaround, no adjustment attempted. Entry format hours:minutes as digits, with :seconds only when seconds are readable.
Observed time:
3:05
